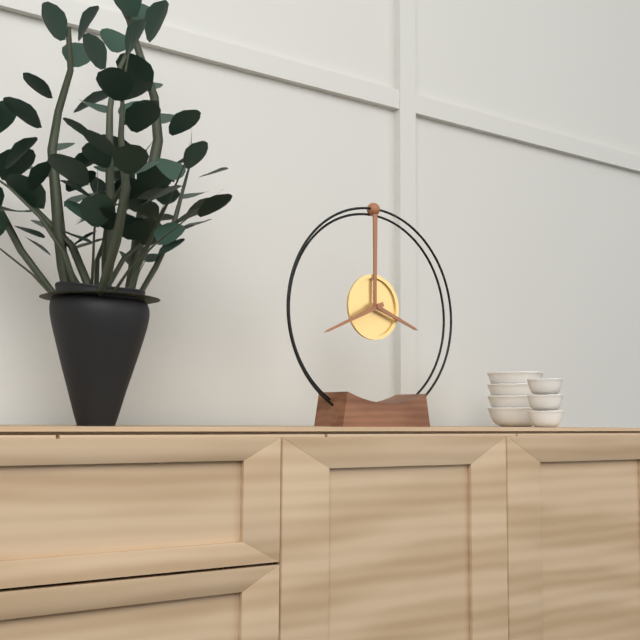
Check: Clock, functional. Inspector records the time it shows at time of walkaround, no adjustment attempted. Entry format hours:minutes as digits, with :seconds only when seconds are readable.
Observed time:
3:41
